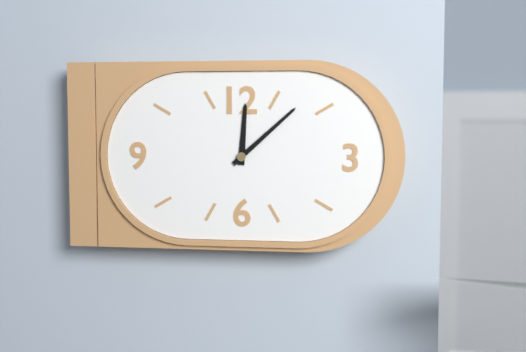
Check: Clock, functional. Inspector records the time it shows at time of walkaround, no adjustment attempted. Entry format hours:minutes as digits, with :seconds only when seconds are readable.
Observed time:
12:08
